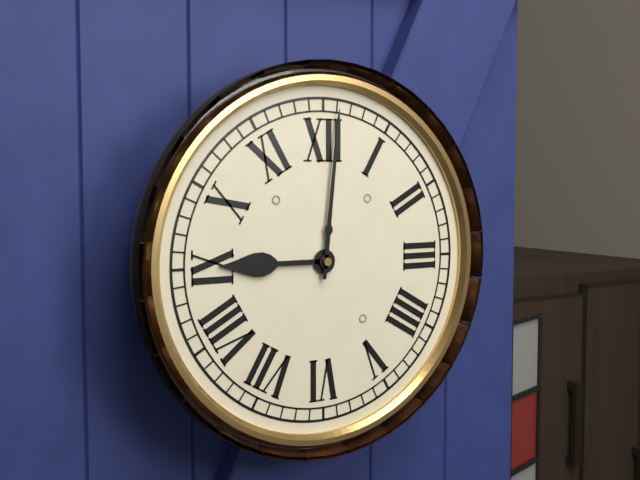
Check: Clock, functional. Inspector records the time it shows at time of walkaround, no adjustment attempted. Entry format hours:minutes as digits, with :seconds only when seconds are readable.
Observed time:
9:01
